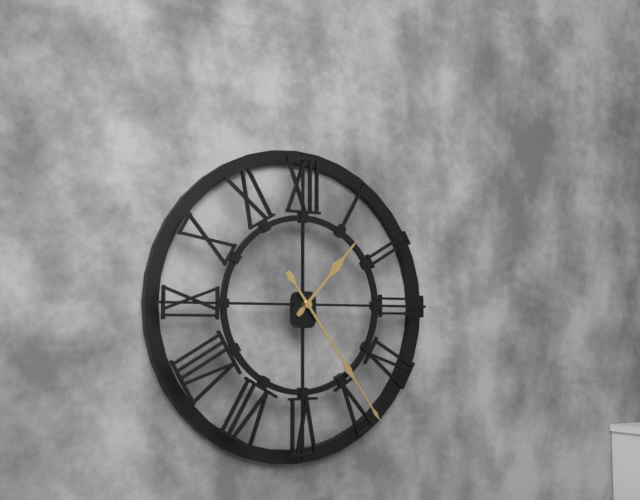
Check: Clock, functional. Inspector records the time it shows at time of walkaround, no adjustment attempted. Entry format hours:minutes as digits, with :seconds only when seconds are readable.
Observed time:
1:24
